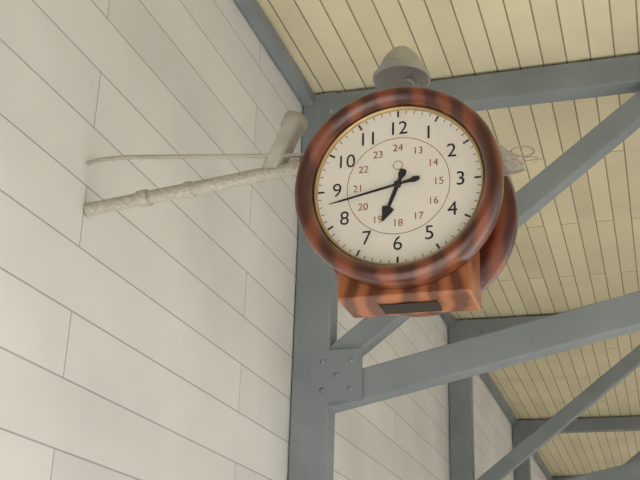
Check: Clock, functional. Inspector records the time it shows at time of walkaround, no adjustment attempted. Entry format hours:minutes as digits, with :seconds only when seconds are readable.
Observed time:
6:43
